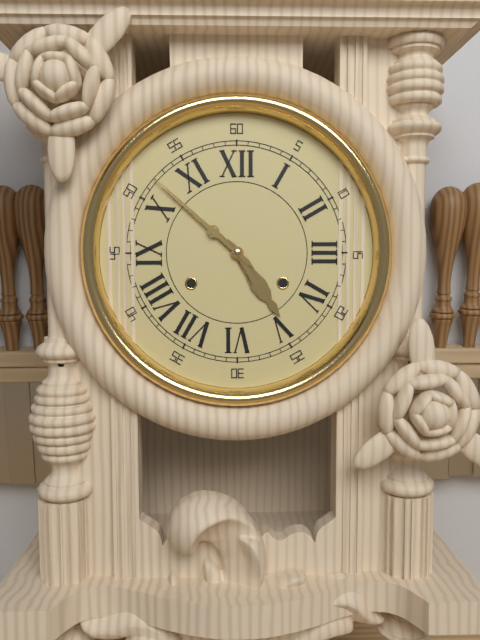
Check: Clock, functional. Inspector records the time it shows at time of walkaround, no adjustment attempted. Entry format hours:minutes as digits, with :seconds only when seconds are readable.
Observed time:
4:52
